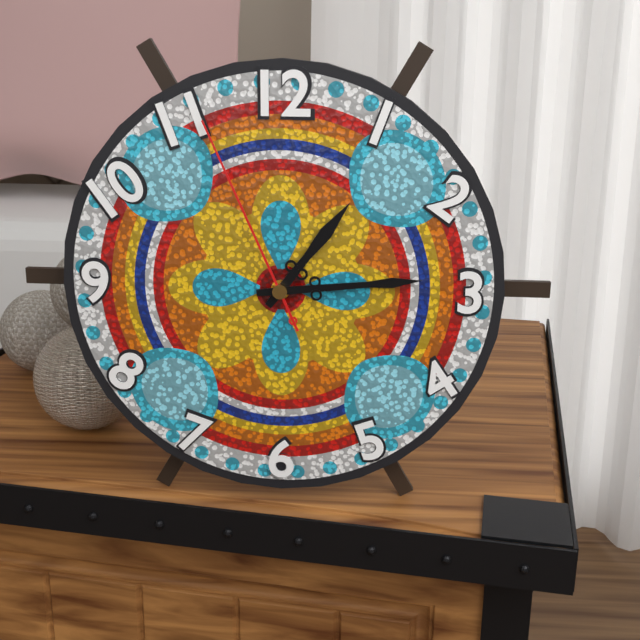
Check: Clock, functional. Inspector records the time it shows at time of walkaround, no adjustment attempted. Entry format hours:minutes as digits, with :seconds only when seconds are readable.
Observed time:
1:14:56
